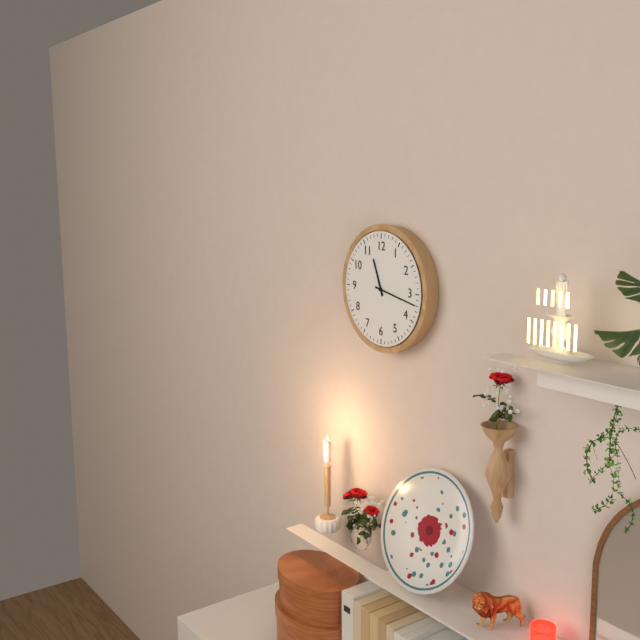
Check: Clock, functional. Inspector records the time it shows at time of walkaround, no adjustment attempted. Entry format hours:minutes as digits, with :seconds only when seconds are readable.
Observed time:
11:17
